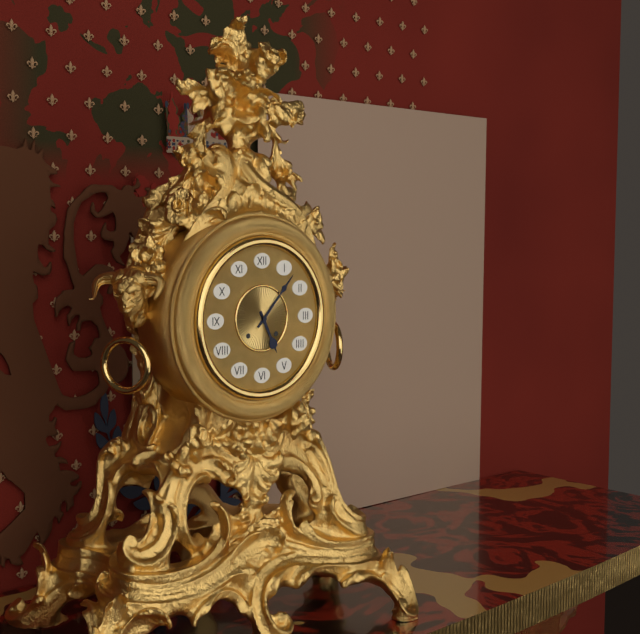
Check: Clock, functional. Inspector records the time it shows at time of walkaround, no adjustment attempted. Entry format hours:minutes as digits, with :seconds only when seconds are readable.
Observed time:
5:07
